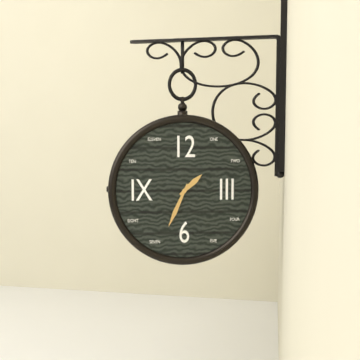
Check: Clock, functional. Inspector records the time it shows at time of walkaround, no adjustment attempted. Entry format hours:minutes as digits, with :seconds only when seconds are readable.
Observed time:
1:34
